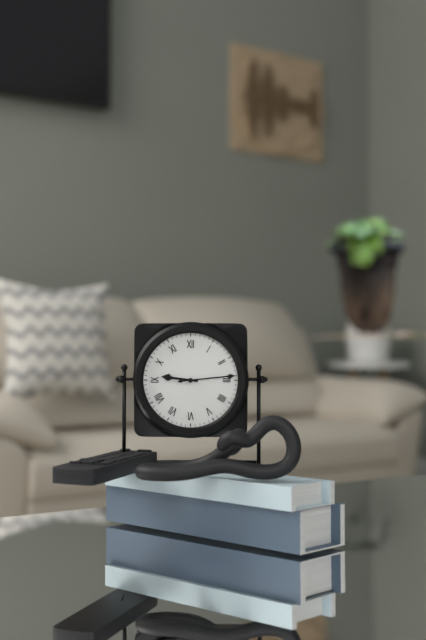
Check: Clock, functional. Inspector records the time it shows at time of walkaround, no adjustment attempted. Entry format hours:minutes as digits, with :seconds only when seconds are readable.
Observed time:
9:14
